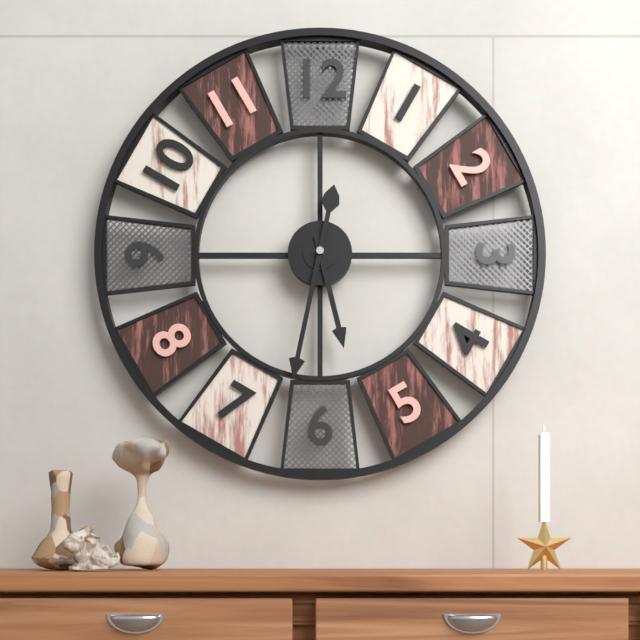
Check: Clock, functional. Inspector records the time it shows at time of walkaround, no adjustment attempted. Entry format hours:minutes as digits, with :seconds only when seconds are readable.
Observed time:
5:32
